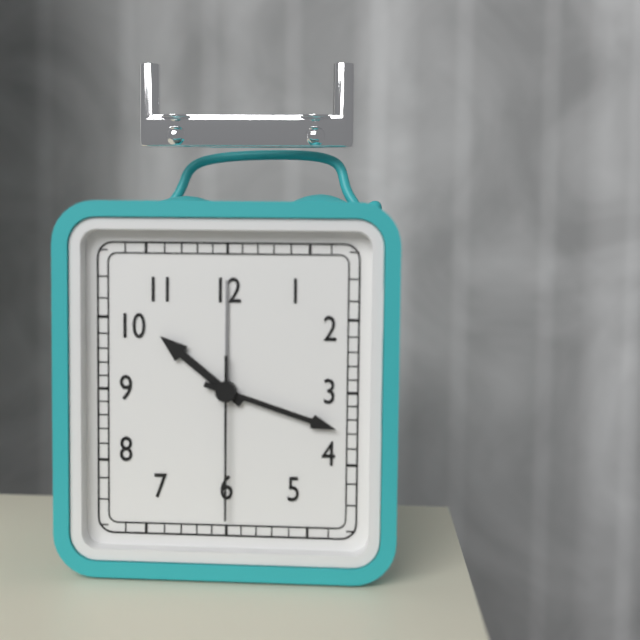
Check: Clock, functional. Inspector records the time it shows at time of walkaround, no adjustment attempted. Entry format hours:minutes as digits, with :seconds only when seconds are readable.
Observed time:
10:18:30
